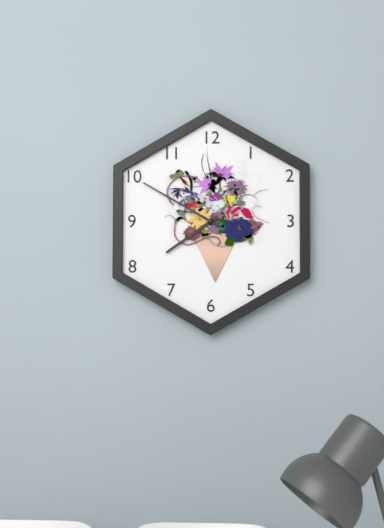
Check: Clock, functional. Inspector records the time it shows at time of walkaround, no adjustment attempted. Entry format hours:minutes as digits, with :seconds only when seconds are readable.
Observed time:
7:50
